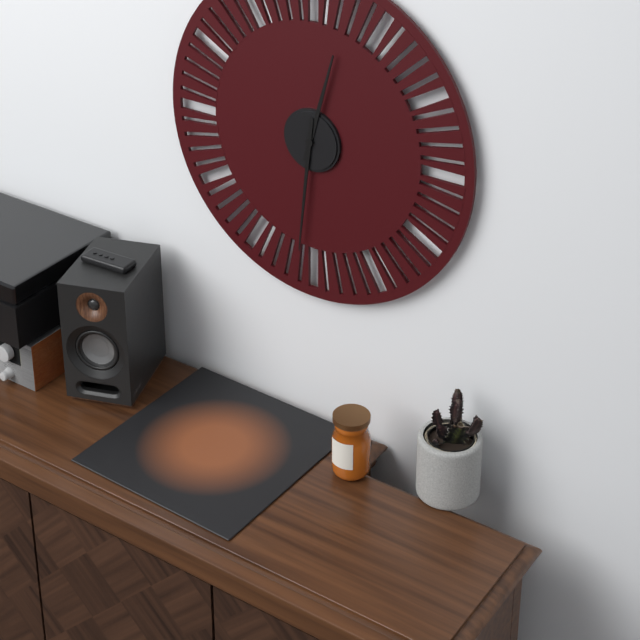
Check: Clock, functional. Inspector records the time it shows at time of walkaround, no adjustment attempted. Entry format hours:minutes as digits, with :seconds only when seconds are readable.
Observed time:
12:31
